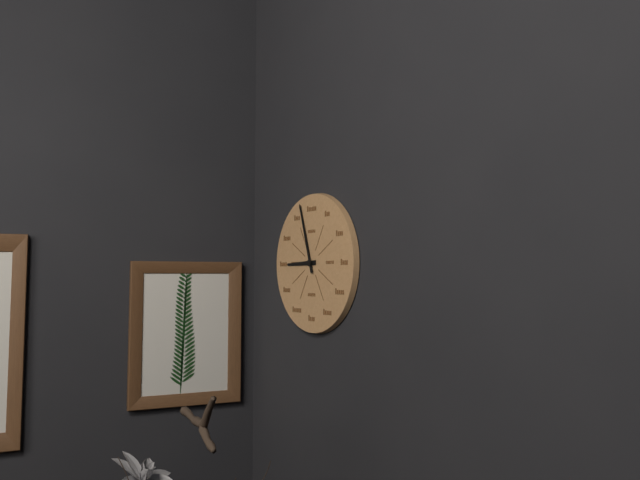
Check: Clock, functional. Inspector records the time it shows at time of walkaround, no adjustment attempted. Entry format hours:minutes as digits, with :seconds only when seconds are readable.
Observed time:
8:57
